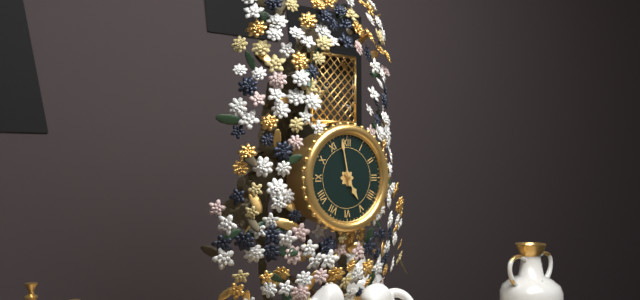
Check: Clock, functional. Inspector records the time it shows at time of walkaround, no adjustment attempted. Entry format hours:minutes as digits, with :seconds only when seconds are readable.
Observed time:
4:58
